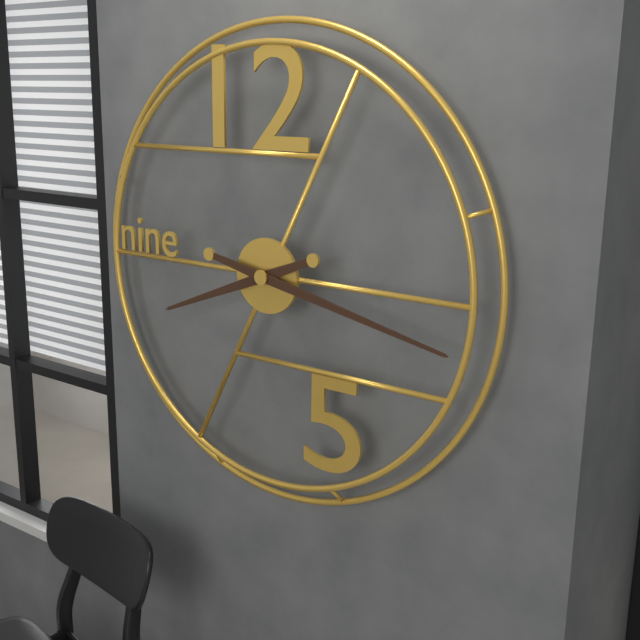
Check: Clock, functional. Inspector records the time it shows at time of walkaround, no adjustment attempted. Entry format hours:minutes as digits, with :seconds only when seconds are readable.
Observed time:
8:17
